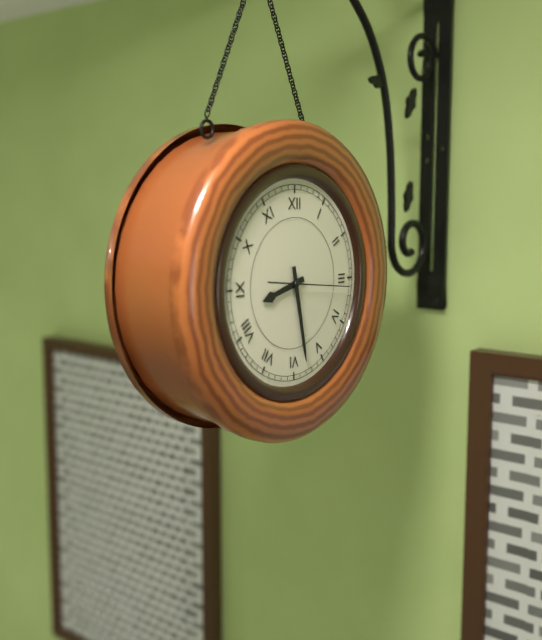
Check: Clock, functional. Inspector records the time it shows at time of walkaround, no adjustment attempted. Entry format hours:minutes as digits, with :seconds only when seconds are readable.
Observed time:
8:28:16
